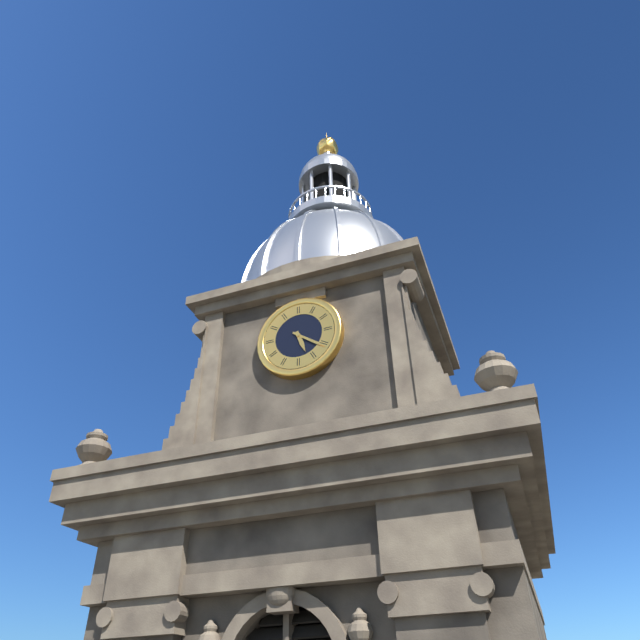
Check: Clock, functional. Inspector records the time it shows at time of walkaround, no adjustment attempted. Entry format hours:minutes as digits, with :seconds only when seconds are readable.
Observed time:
5:21
